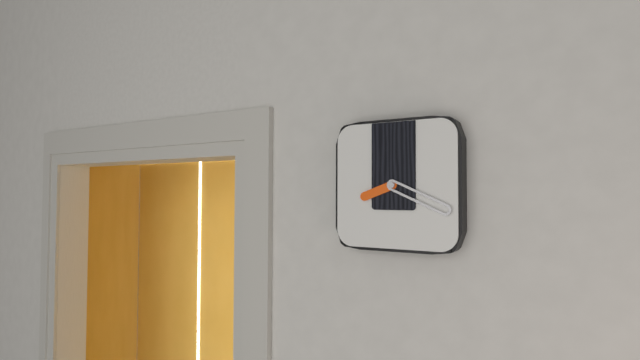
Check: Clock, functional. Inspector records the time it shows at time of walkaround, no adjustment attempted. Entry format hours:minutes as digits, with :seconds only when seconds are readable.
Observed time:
8:19
